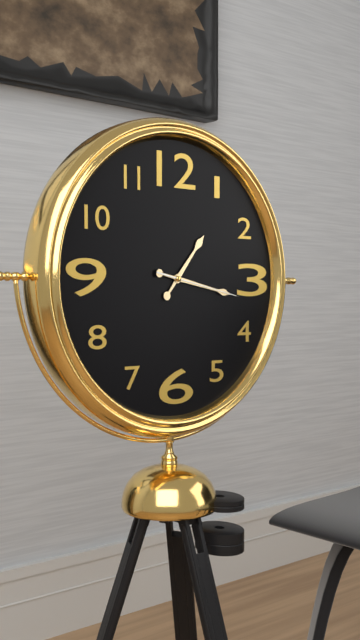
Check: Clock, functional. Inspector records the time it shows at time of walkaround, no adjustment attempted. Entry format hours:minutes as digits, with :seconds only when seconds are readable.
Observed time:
1:17:17
